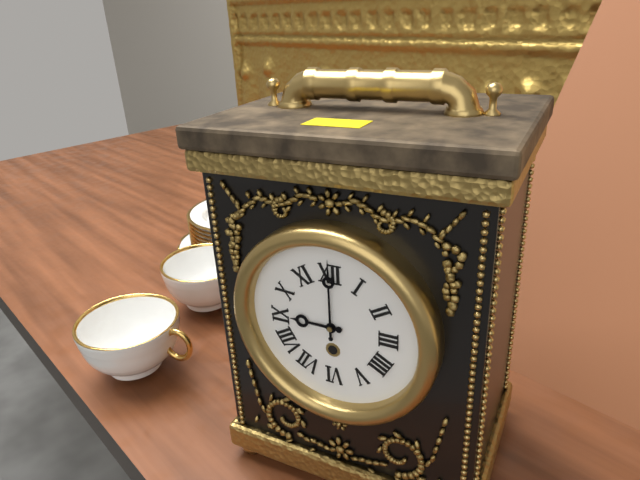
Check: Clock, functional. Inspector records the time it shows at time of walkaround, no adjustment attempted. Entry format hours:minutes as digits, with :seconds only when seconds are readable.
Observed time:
9:00
